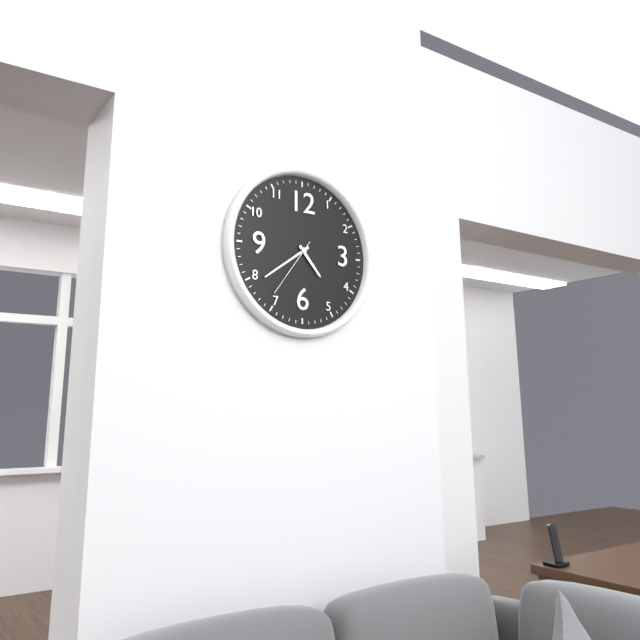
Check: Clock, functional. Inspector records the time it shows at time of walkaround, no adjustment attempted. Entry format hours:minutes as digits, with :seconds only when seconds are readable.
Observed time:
4:39:36
